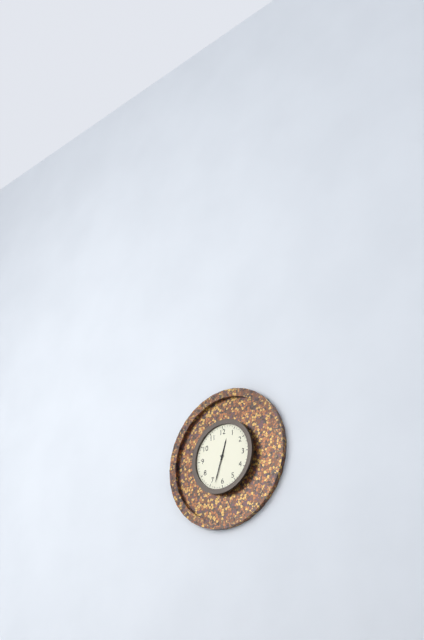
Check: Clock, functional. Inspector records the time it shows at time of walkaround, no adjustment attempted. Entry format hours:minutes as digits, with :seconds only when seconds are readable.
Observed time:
12:33
